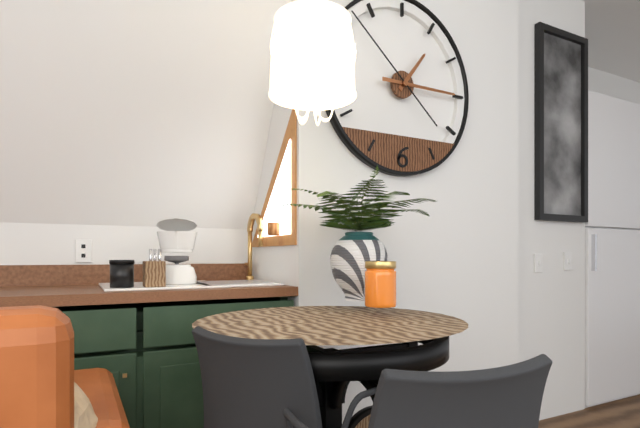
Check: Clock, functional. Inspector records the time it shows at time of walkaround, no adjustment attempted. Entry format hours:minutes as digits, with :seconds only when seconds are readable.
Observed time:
1:15:52
